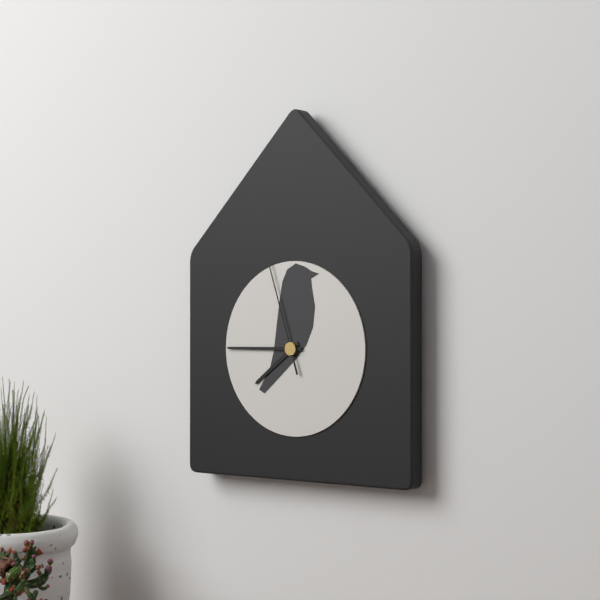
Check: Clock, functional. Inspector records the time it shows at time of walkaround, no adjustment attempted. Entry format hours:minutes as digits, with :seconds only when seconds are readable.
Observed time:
7:45:57
